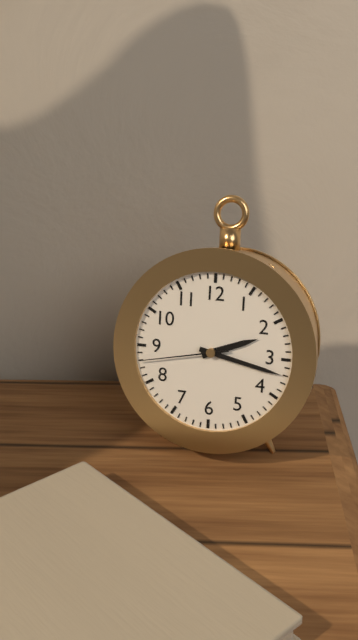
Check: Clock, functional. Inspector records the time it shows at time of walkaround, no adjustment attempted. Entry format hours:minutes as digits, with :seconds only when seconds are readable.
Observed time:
2:17:43
